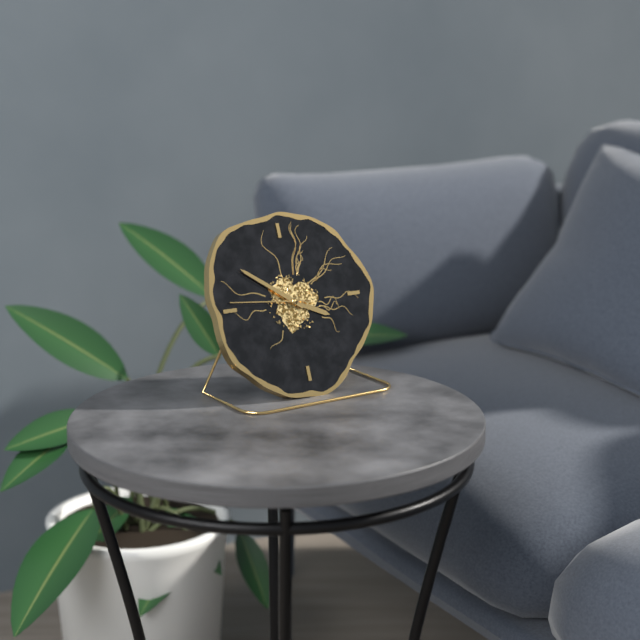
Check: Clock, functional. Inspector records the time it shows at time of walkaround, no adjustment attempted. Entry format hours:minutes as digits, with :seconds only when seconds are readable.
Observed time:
3:51:46
